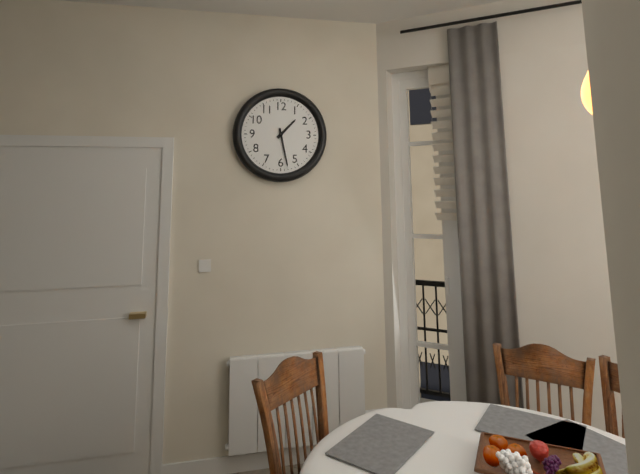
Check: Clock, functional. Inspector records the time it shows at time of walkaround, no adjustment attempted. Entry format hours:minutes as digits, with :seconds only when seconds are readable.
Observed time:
1:28
